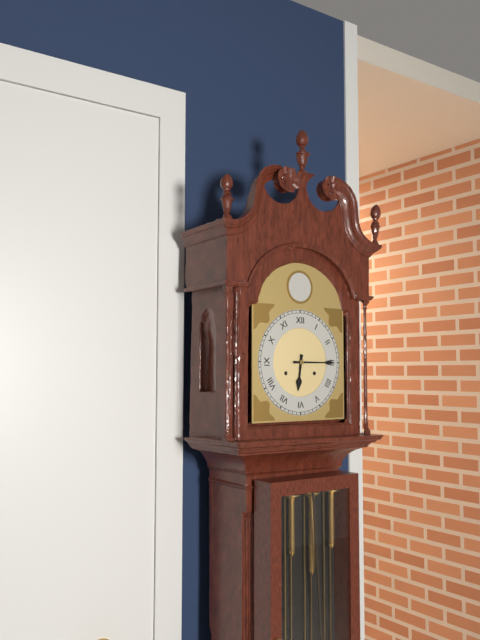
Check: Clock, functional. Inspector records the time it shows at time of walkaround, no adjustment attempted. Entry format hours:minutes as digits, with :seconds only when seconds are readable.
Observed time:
6:15
